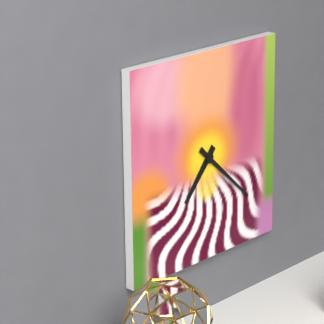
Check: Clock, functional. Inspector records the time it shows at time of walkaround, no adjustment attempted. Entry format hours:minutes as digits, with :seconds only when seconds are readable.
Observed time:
7:22
